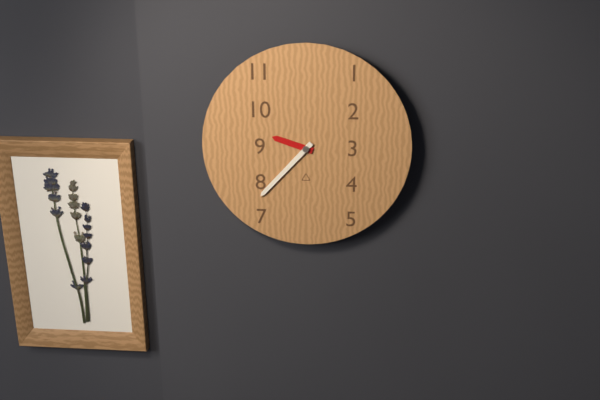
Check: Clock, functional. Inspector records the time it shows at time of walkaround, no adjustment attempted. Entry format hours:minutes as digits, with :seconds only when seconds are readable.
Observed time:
9:37
